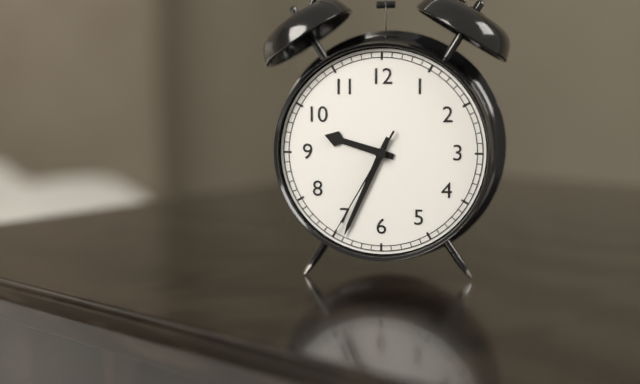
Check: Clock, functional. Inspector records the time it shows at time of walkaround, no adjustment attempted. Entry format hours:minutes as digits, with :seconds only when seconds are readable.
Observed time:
9:34:35
